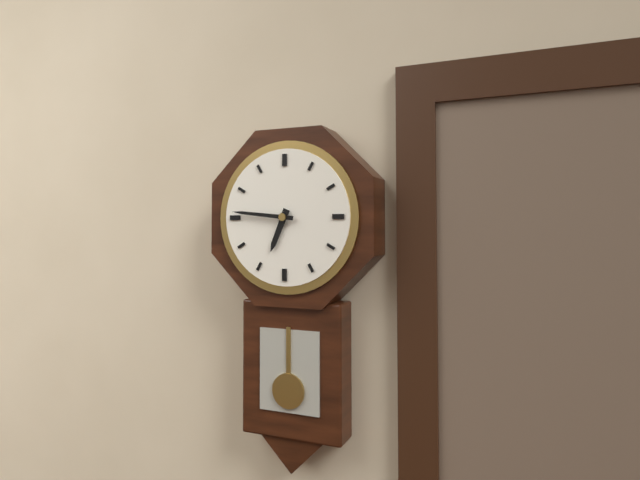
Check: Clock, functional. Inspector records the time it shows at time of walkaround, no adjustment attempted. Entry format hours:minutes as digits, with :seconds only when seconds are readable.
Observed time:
6:46
